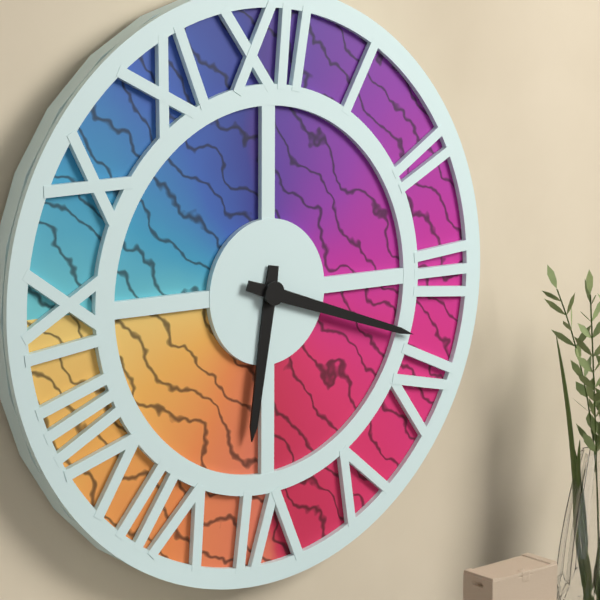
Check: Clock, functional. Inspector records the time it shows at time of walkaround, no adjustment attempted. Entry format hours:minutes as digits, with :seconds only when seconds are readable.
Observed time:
6:18
